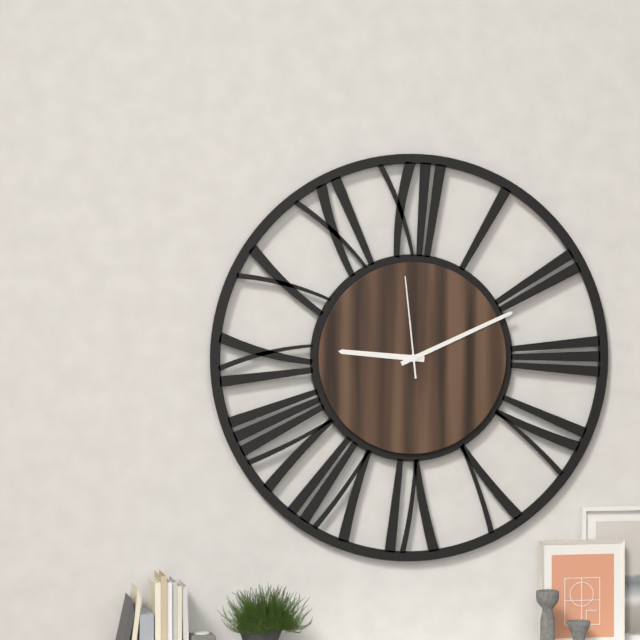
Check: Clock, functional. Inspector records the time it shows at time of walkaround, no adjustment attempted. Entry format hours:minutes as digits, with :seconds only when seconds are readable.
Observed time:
9:11:59
